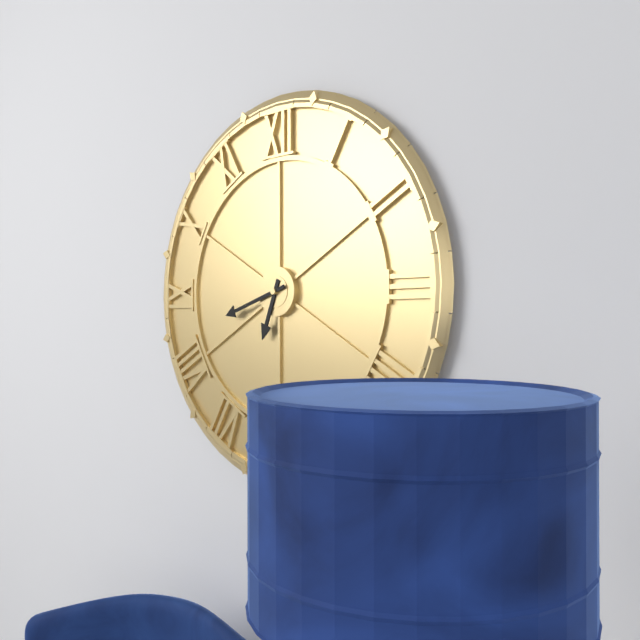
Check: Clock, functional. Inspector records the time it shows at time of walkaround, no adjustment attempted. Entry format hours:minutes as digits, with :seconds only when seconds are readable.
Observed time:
6:42
